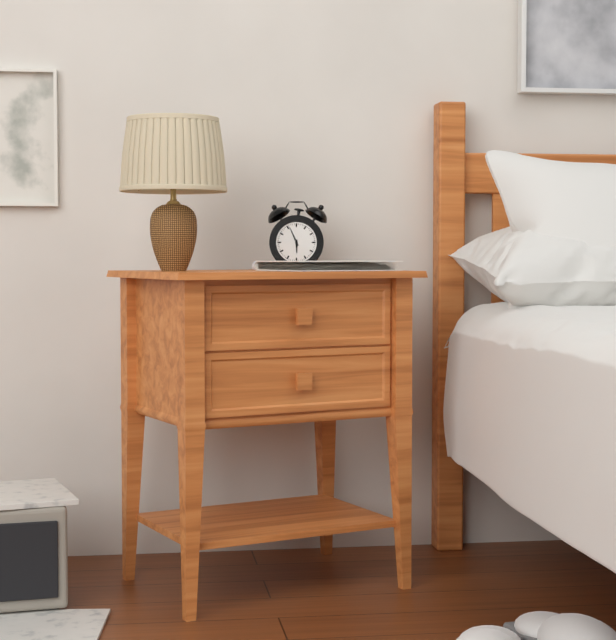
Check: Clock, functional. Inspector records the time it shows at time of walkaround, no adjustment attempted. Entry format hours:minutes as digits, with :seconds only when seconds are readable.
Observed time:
5:56
